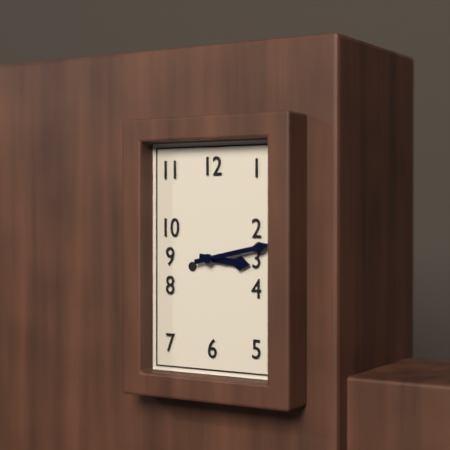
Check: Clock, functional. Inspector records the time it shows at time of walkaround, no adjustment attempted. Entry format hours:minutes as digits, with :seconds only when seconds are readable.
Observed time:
3:13
